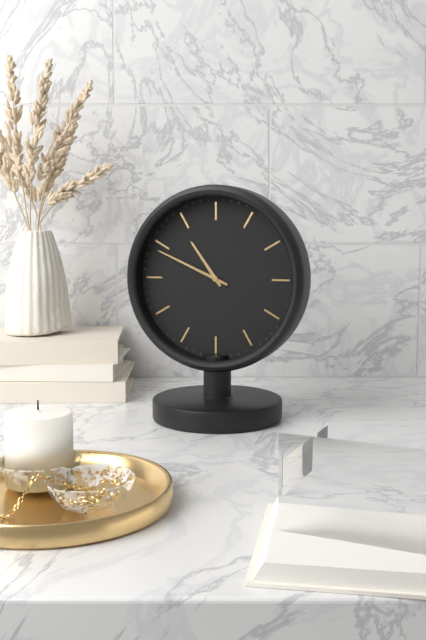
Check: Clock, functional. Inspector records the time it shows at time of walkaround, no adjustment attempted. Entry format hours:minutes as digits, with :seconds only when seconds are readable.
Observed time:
10:49
